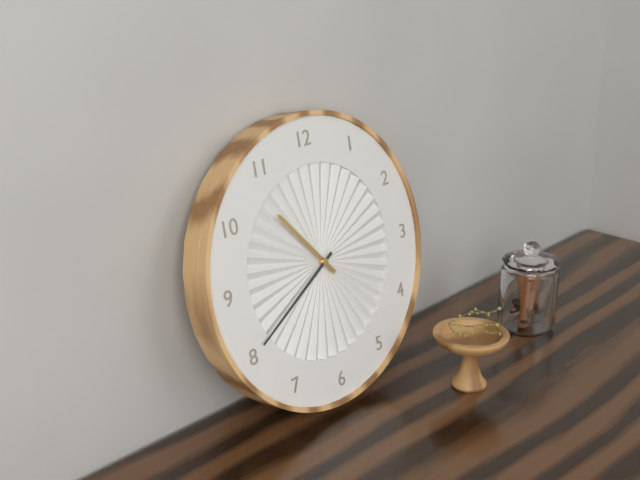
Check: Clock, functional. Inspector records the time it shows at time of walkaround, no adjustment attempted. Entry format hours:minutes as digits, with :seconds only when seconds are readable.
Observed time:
10:40
